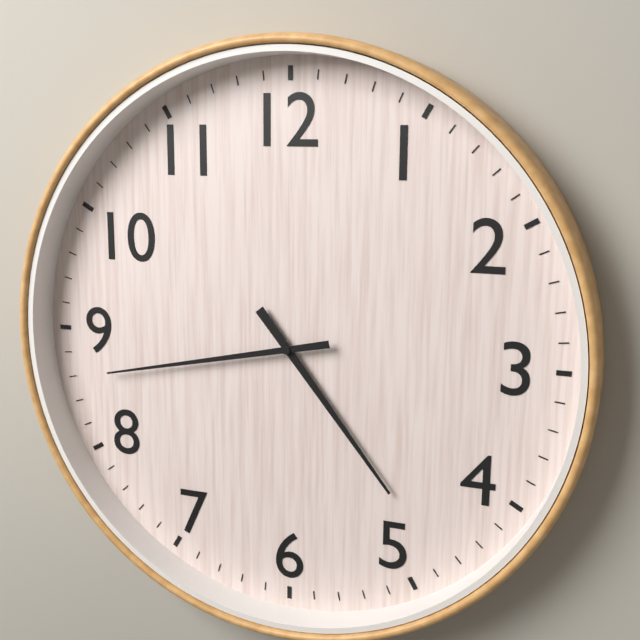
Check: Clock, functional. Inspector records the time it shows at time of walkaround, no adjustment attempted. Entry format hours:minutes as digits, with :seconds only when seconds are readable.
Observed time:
4:43
